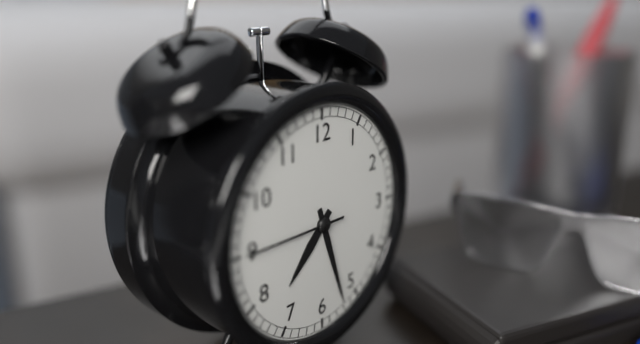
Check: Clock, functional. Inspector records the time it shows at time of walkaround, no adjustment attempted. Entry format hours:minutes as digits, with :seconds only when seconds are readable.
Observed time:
7:27:45
